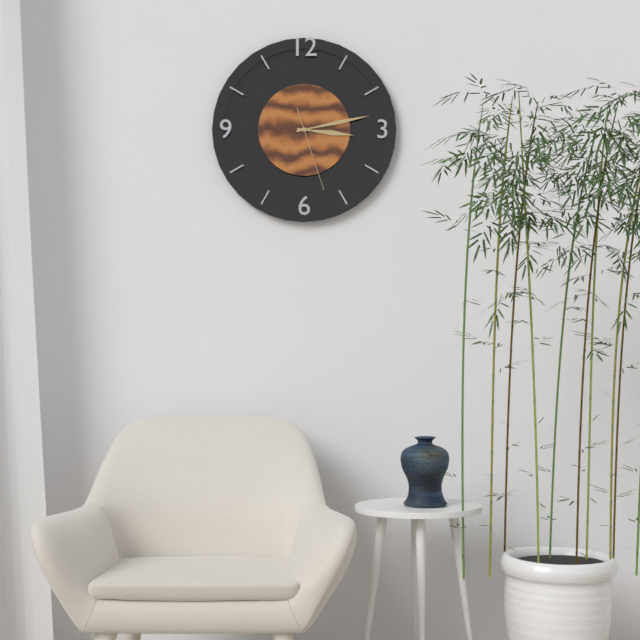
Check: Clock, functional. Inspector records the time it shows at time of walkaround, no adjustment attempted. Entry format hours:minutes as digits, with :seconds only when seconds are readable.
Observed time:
3:13:27
